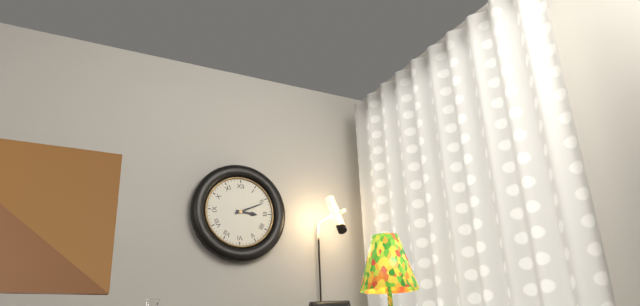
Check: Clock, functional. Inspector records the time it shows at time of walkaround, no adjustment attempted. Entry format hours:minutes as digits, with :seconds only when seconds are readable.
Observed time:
3:11
